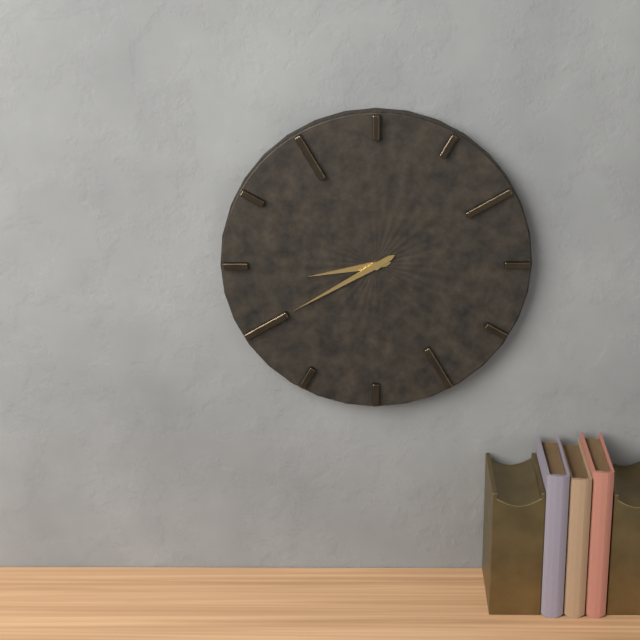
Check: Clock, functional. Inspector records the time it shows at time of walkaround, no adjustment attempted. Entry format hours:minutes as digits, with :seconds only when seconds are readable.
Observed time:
8:40
